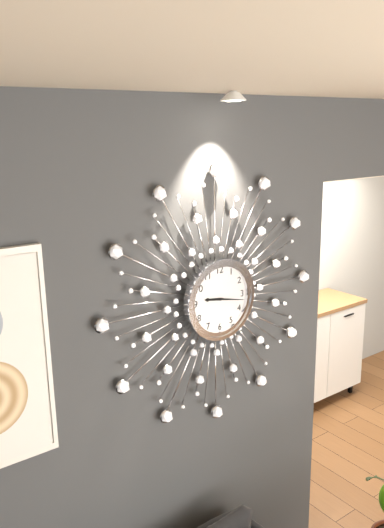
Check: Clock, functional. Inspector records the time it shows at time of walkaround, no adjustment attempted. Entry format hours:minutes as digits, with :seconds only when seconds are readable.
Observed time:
9:17
